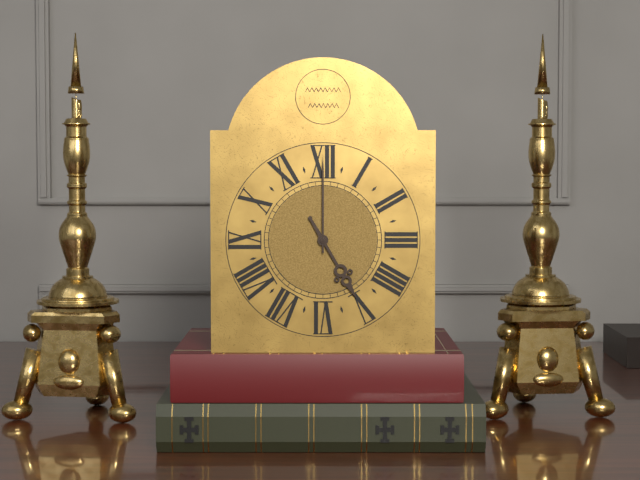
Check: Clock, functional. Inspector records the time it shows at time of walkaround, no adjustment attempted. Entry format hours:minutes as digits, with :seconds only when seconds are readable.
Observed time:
5:00
